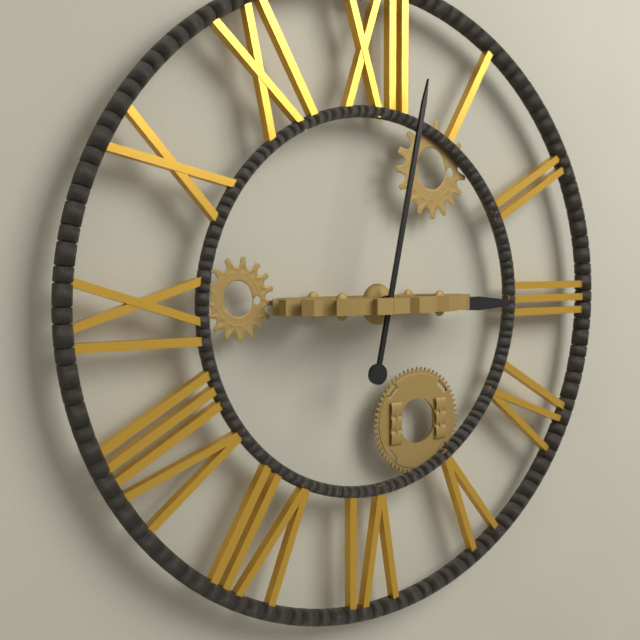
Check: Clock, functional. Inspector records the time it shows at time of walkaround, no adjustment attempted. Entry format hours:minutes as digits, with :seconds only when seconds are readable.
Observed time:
3:02
